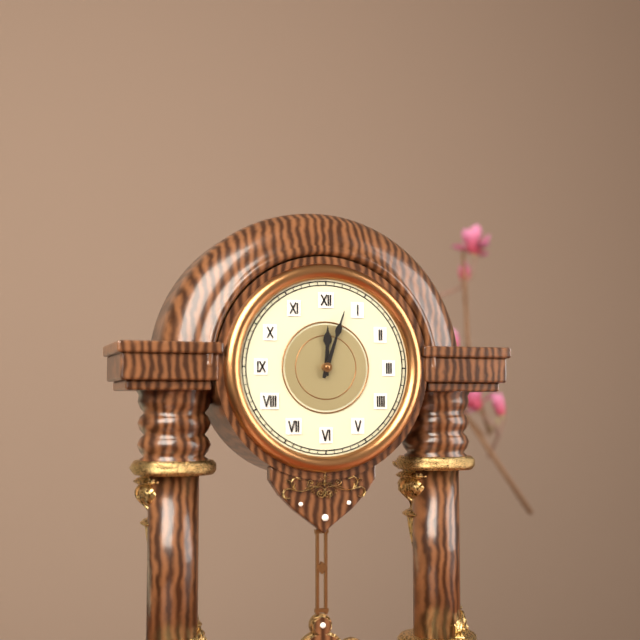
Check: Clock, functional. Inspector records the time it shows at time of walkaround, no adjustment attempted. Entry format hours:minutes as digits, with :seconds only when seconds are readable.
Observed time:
12:03
